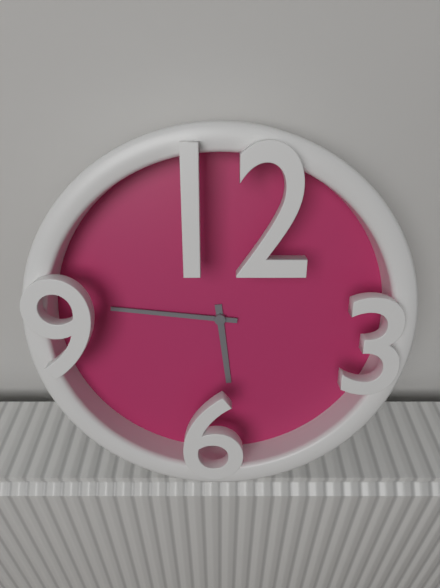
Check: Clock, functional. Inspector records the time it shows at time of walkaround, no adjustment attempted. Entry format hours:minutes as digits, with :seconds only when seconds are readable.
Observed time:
5:46
